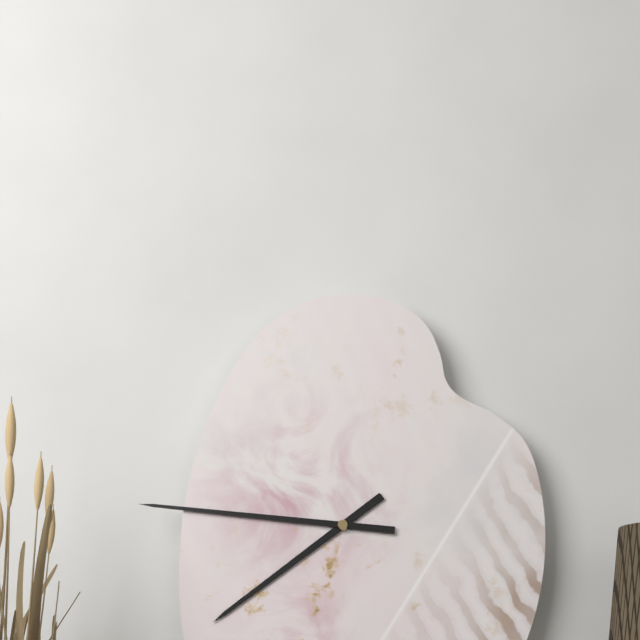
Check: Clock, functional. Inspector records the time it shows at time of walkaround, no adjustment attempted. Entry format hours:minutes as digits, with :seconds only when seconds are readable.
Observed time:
7:46
